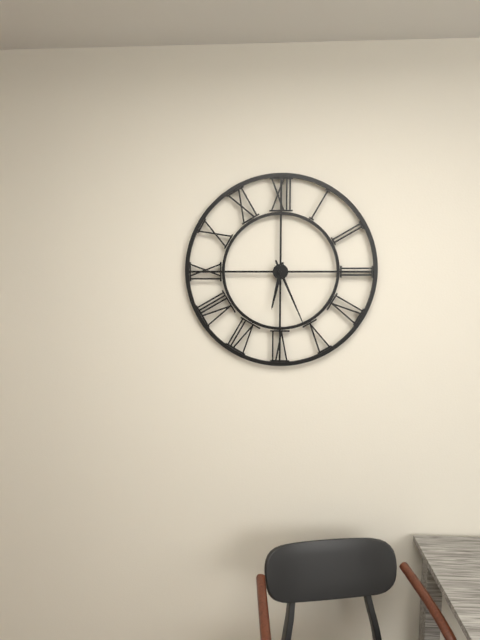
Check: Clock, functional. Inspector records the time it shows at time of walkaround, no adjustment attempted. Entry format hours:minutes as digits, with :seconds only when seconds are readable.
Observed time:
6:26
